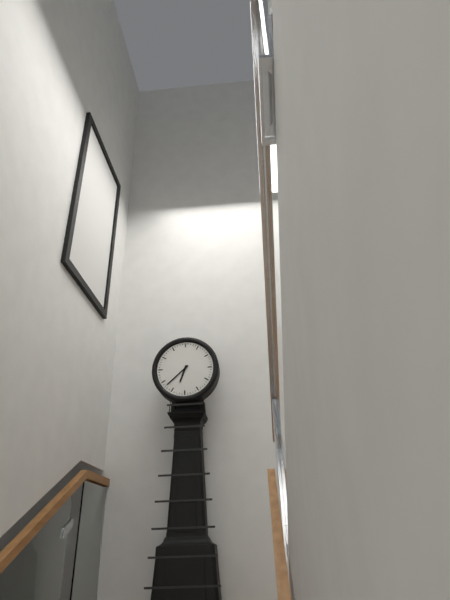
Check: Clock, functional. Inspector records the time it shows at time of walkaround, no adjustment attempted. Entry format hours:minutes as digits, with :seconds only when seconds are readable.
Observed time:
6:38
